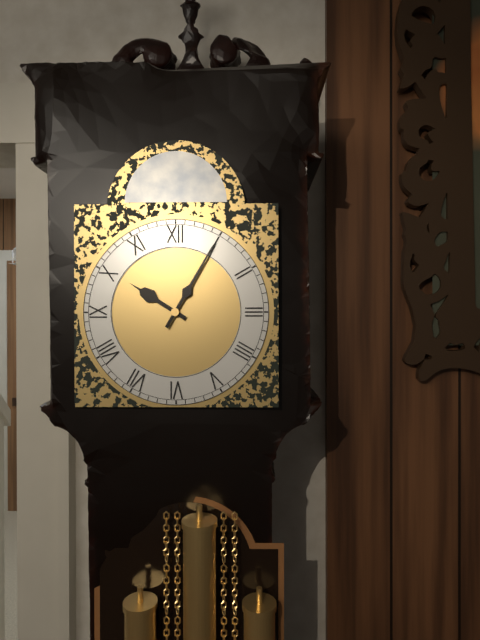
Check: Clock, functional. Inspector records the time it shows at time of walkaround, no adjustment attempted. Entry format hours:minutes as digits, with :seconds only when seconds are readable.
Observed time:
10:05
